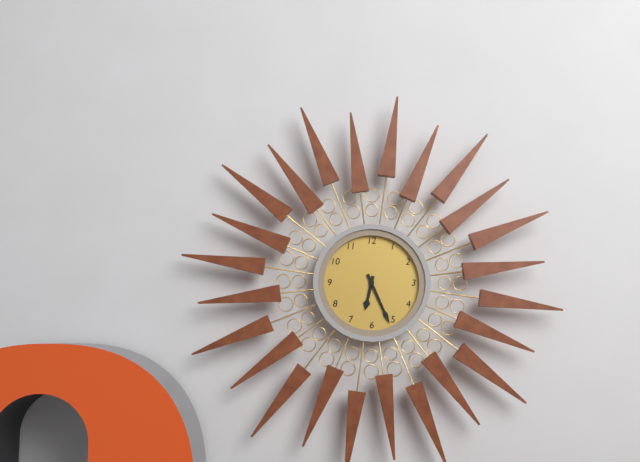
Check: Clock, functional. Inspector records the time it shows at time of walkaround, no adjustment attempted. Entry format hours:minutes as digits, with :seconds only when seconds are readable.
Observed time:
6:26
